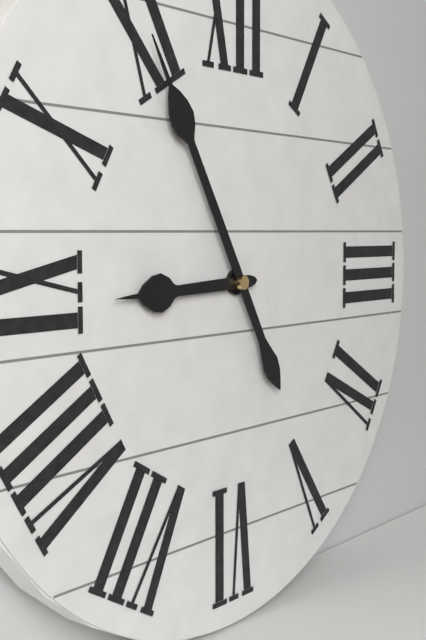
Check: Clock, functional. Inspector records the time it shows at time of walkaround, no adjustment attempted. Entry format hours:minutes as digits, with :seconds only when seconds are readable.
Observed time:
8:55
